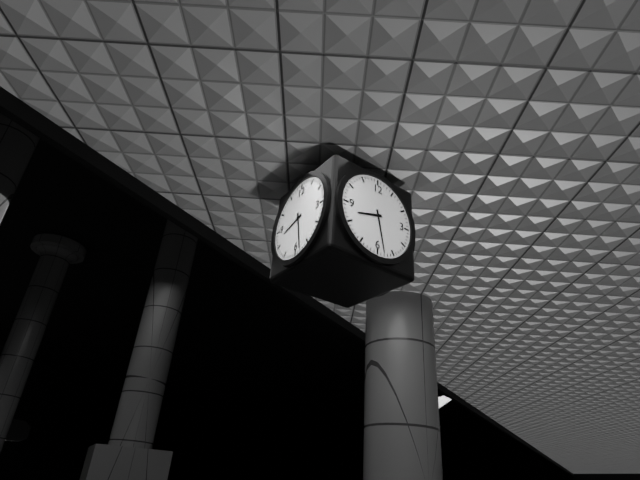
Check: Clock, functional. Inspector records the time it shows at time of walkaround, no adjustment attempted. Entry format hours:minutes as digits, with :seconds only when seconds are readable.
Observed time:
8:28
